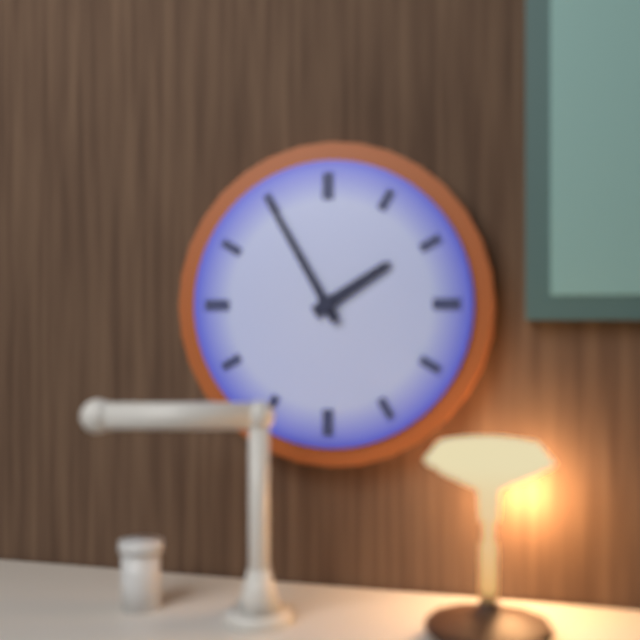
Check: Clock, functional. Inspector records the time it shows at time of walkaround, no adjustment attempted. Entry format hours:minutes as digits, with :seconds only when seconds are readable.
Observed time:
1:55
